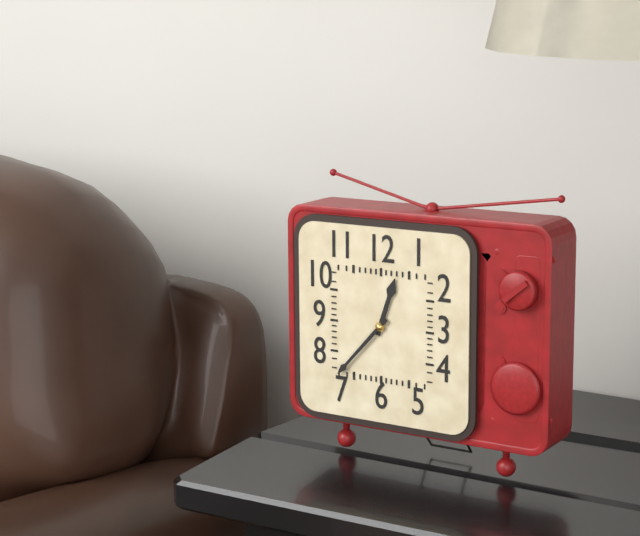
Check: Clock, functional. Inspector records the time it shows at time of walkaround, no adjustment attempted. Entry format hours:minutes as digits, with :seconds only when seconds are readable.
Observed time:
12:37
